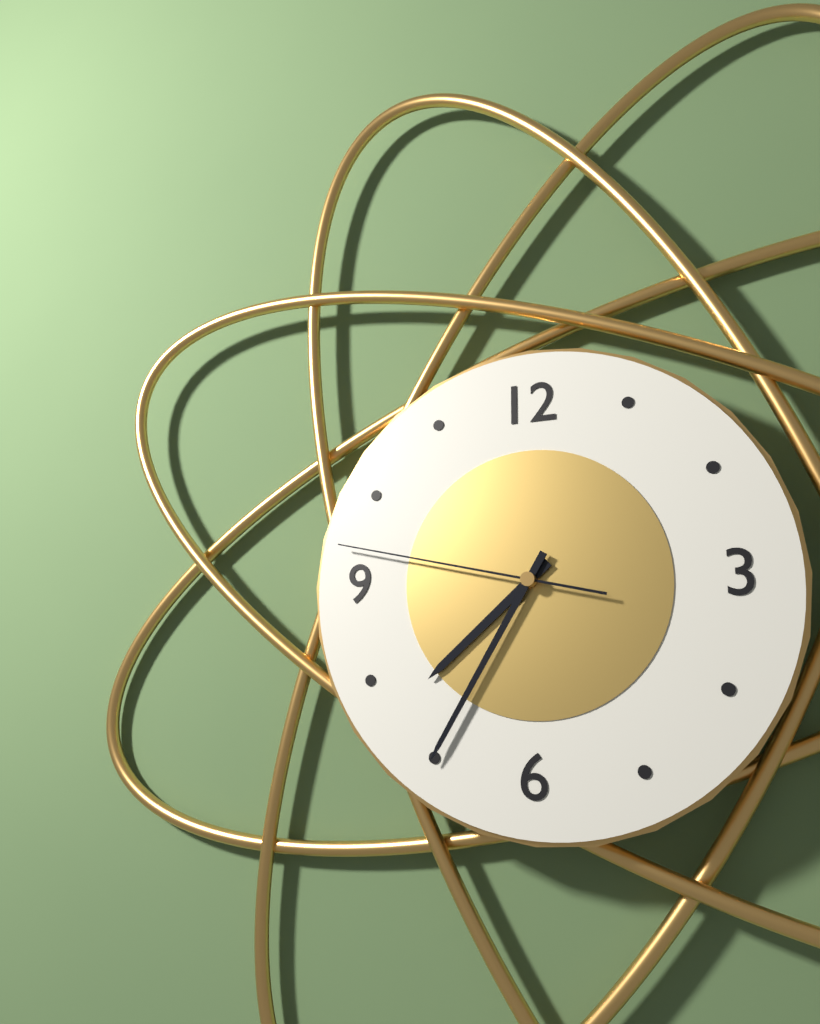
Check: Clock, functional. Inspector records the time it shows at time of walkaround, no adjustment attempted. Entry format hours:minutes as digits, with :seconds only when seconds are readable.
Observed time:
7:35:47
